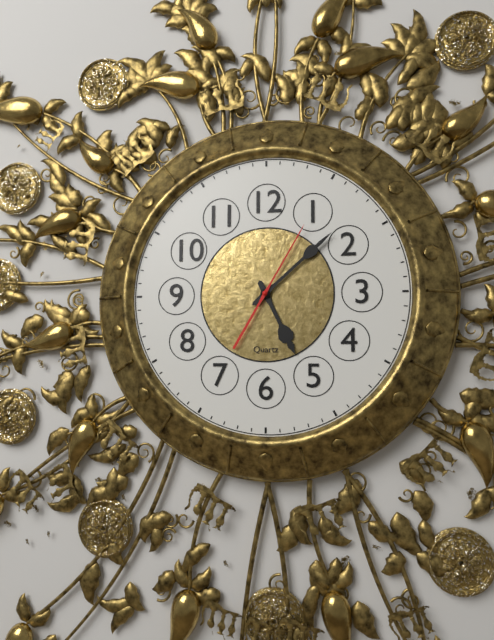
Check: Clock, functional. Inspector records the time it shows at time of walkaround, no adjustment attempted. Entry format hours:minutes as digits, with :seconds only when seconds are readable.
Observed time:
5:08:05
